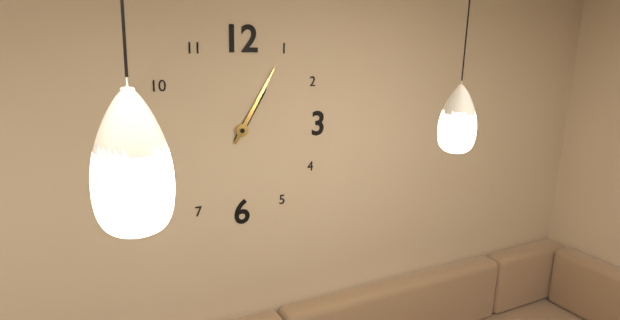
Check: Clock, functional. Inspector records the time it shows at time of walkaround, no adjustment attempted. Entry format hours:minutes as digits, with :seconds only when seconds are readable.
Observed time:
1:05
